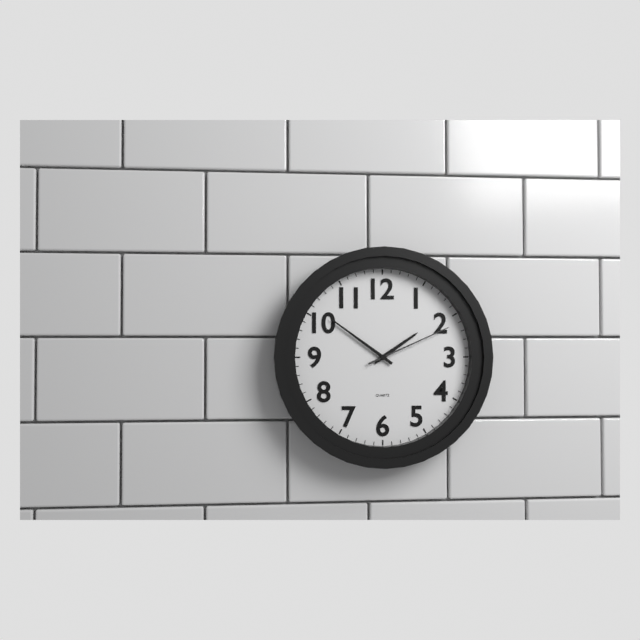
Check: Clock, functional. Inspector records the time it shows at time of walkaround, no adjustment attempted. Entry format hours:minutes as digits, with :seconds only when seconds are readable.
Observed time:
1:51:11
